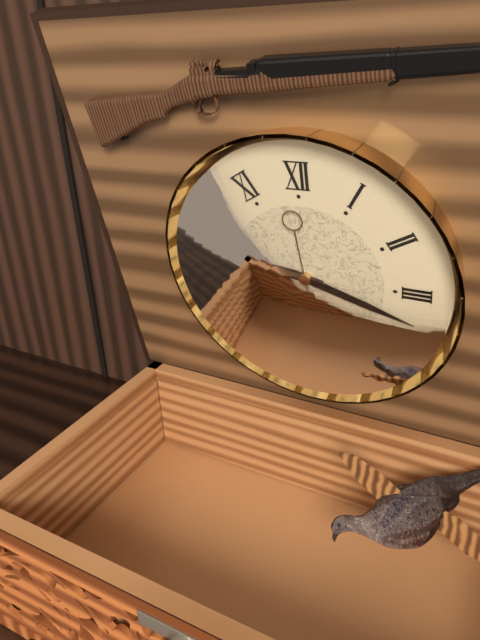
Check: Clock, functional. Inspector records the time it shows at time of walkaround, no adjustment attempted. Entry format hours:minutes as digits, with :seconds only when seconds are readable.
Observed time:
9:18:29
